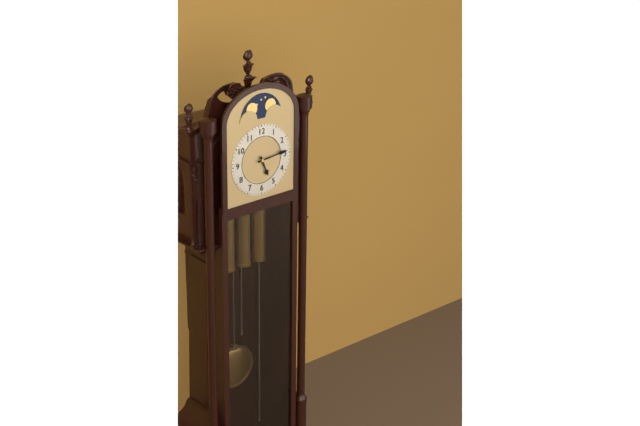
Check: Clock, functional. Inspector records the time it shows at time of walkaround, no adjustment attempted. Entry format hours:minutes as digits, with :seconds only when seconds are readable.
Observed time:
5:14
